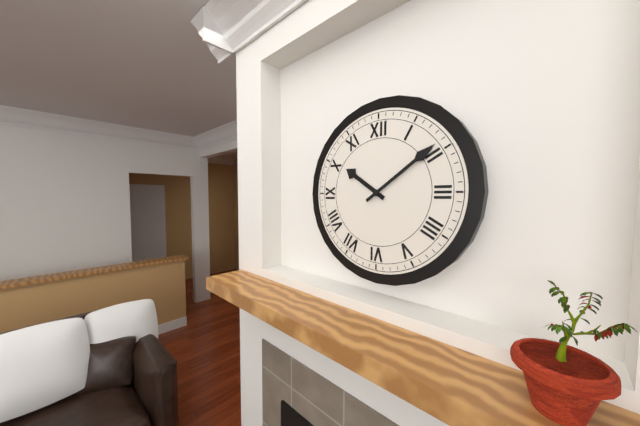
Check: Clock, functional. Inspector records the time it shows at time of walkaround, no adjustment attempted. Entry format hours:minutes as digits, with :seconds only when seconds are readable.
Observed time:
10:09
